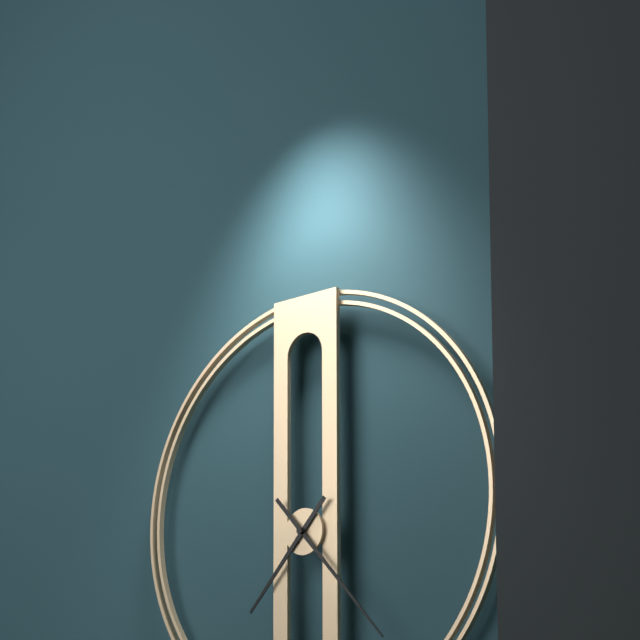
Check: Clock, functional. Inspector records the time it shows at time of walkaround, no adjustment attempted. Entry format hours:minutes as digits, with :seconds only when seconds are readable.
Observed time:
7:23
